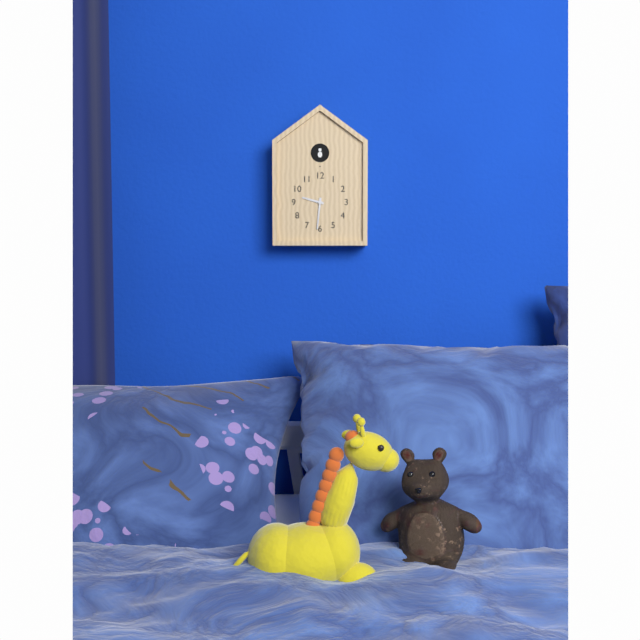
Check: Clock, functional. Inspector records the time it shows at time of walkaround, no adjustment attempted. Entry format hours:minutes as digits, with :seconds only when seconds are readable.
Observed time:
9:31
